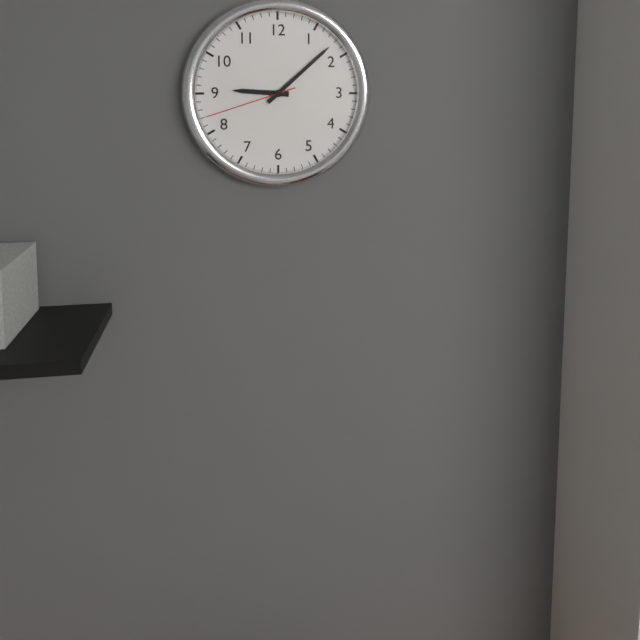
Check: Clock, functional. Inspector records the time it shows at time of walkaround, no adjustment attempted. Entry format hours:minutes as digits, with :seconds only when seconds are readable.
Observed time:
9:08:42
